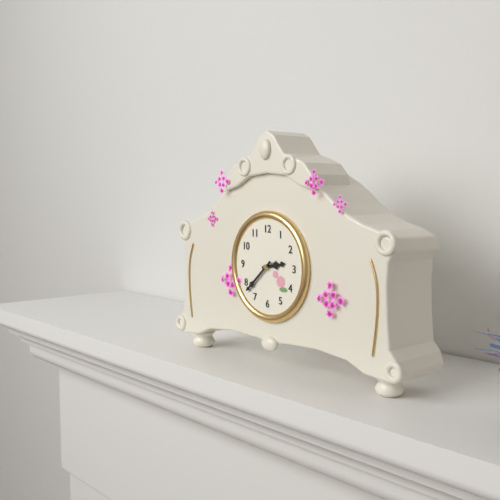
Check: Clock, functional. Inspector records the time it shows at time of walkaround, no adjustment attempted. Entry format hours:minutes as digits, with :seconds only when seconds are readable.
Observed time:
2:38
